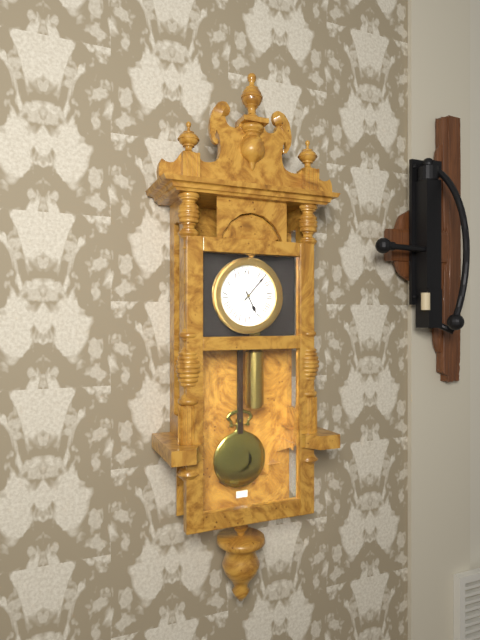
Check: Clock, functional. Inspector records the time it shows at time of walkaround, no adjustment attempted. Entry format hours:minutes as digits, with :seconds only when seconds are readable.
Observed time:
5:07
